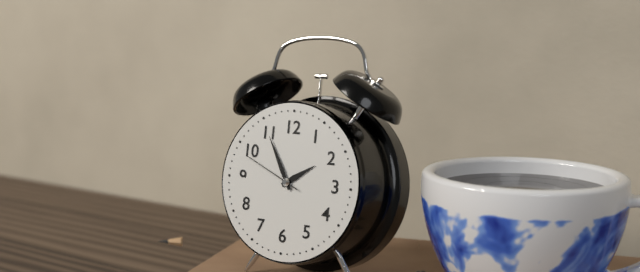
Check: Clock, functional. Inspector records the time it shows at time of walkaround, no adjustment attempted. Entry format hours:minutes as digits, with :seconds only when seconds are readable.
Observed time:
1:55:49
